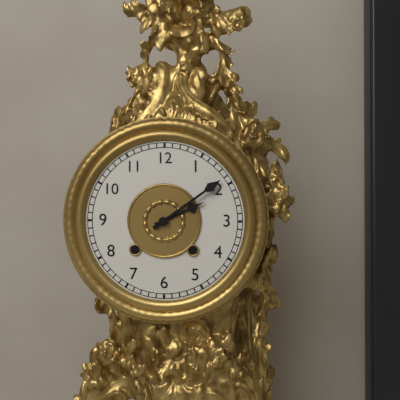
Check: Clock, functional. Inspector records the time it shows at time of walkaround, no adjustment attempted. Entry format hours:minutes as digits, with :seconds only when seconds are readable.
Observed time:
2:09
